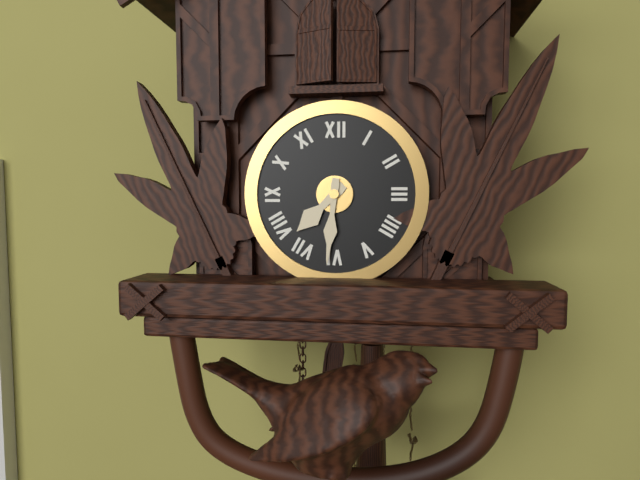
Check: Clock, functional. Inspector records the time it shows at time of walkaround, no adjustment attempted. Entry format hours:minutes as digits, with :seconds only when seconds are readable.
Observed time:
7:31
